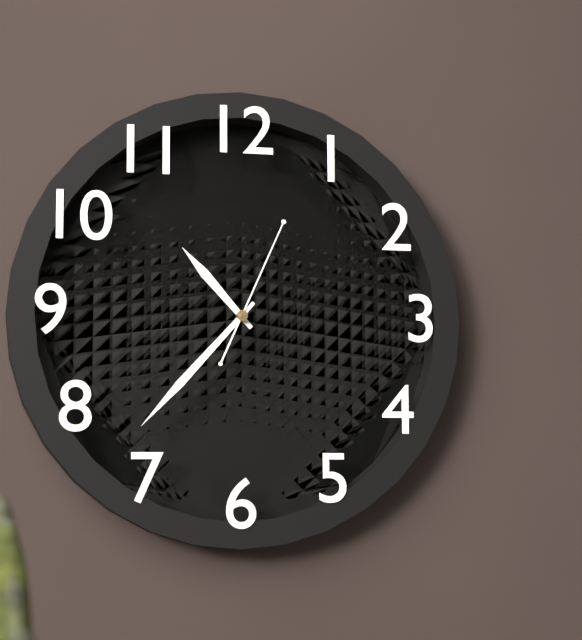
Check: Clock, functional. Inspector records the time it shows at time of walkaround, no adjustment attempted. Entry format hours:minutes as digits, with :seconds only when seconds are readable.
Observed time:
10:37:04
